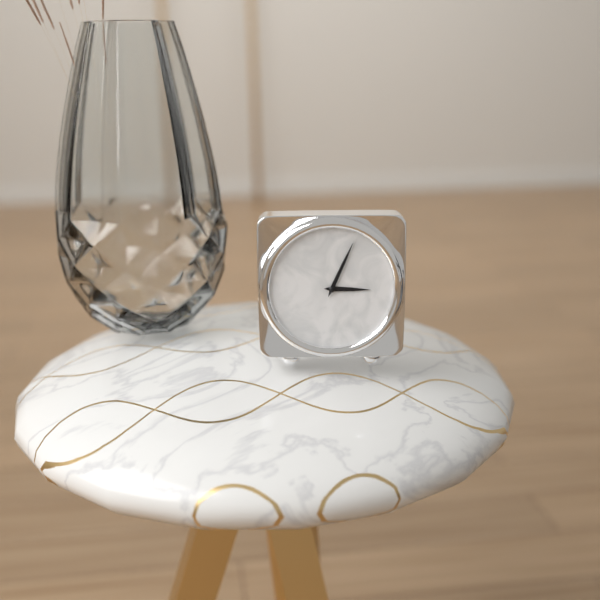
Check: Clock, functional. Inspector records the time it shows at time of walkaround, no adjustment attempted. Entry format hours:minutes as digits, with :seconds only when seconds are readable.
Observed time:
3:04
